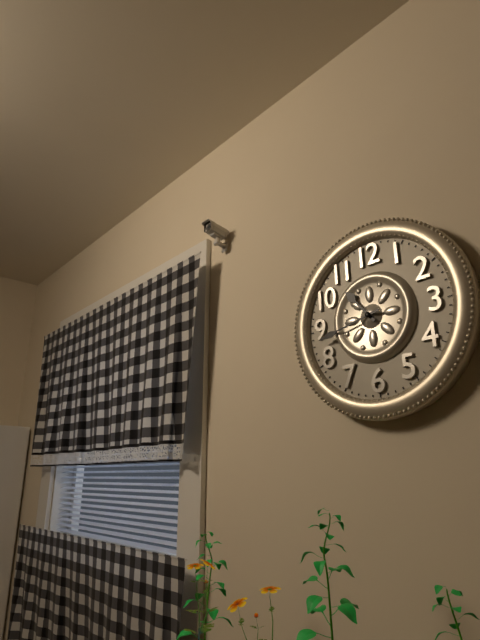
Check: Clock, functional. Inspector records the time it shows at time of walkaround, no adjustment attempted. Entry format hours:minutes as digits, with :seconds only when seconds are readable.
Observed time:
10:43
